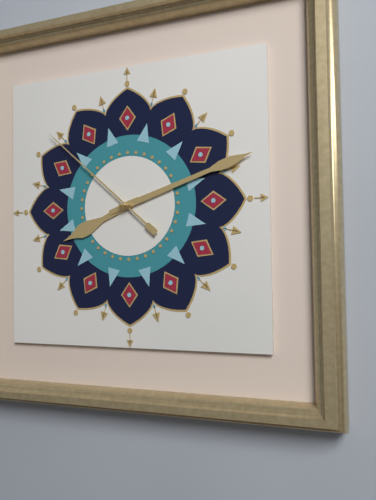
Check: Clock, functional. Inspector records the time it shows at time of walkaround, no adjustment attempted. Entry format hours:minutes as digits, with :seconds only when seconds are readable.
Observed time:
8:12:52
